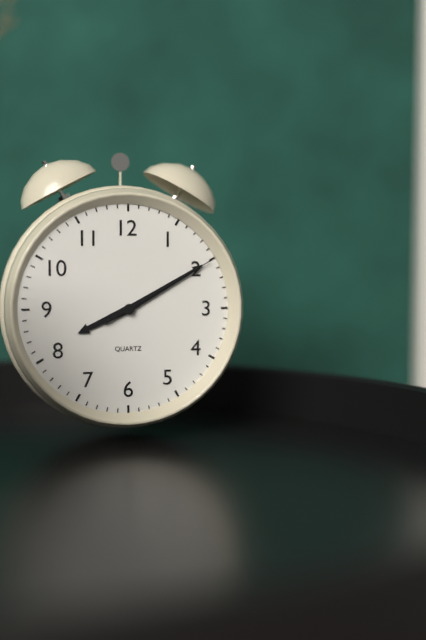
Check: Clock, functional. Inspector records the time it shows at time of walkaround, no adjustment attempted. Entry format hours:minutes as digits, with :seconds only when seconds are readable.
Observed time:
8:10:10
